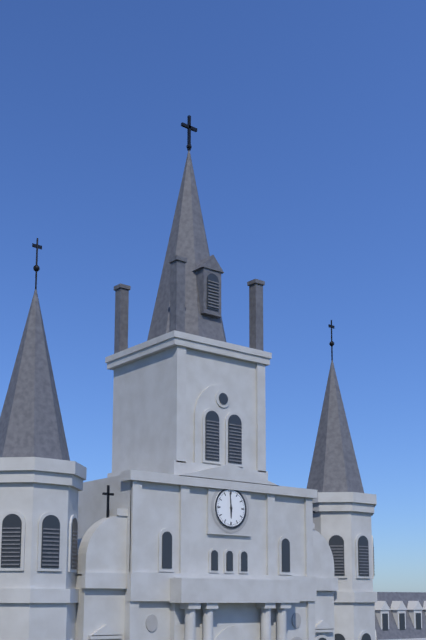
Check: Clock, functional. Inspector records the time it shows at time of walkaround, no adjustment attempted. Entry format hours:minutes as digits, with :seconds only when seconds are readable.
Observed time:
5:59
